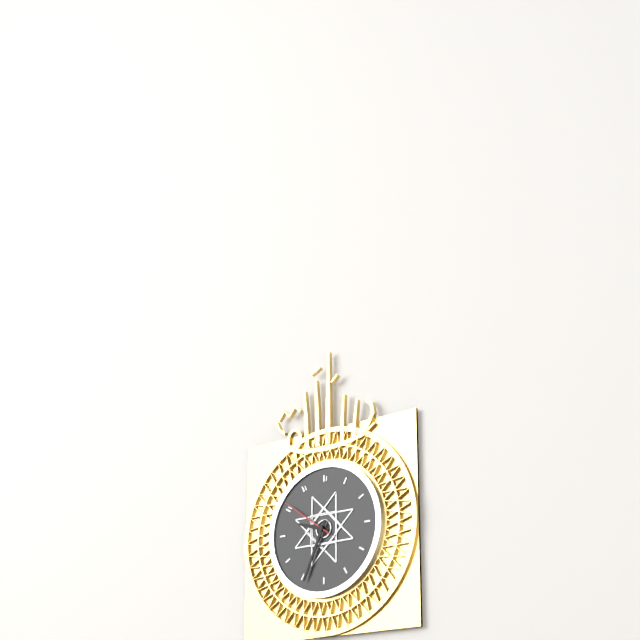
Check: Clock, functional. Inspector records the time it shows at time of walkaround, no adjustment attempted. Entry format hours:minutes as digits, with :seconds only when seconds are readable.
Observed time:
9:34:51
